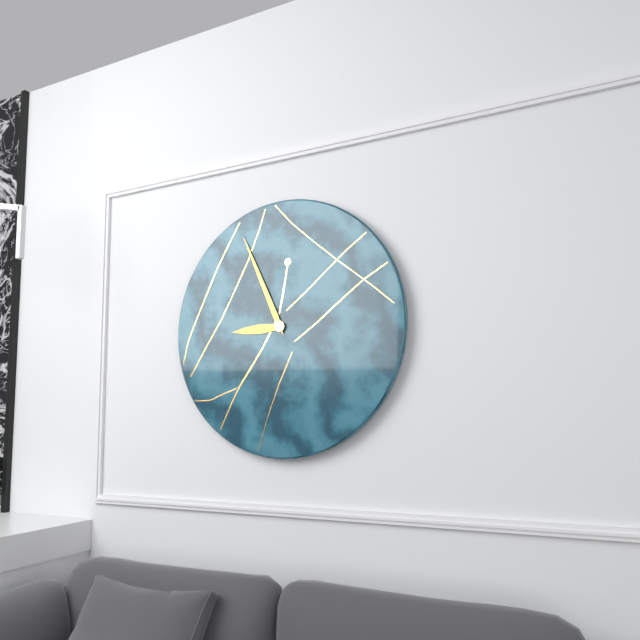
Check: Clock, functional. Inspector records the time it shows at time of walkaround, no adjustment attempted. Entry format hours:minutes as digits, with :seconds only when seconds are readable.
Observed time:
8:56
